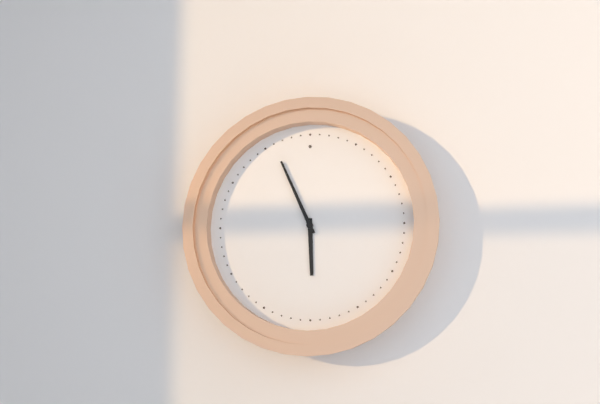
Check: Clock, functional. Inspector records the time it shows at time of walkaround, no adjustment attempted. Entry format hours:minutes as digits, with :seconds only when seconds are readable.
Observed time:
5:56
